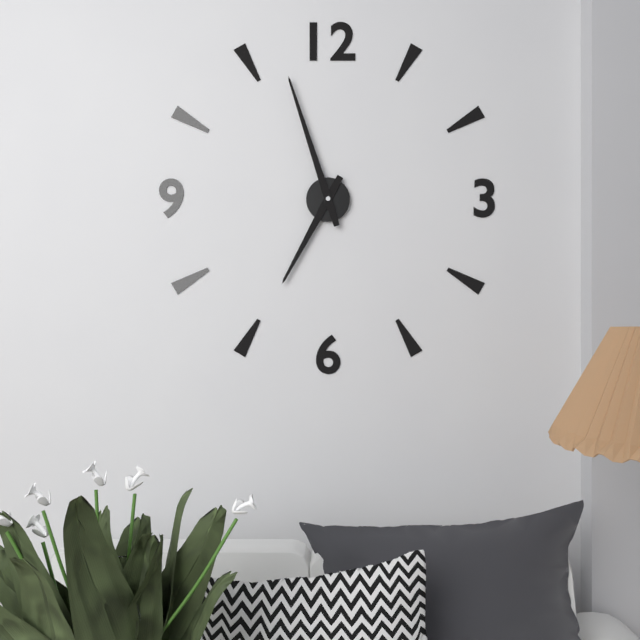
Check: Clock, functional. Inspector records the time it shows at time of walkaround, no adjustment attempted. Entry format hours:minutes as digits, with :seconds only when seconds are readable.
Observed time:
6:57
